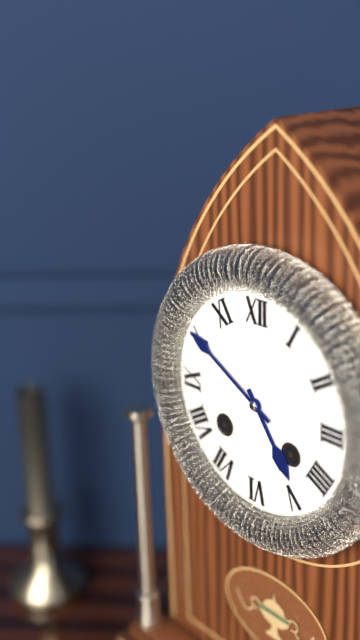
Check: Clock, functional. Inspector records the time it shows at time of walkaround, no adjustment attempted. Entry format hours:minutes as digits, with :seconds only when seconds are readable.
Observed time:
4:50
